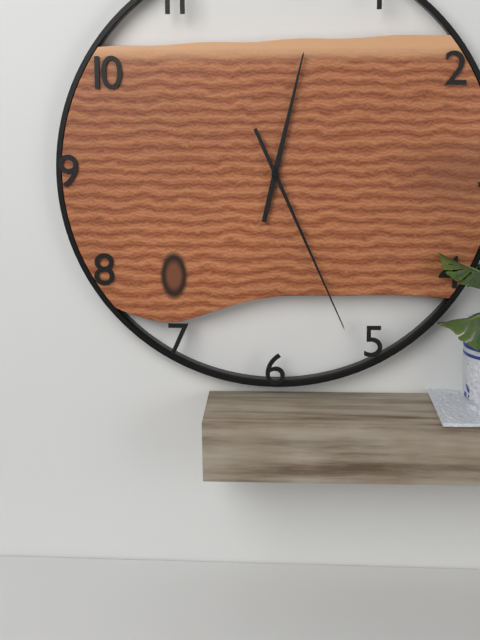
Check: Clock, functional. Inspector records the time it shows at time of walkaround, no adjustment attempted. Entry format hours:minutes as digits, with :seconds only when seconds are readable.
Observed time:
12:26
